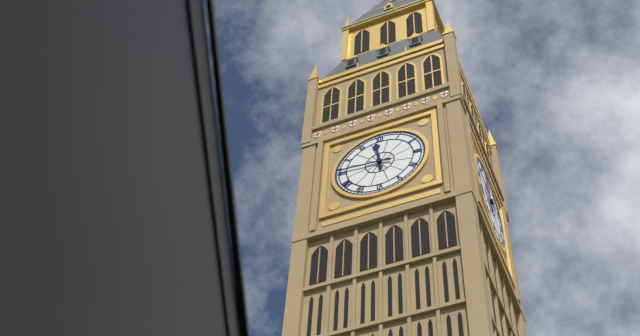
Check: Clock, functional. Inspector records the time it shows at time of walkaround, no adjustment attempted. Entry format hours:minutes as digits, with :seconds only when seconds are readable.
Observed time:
11:46
